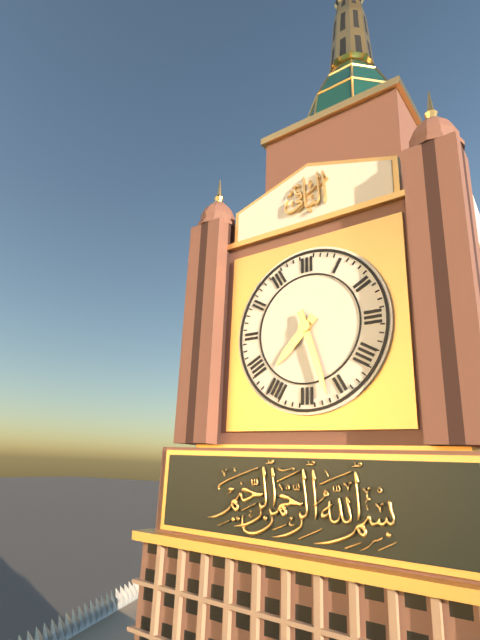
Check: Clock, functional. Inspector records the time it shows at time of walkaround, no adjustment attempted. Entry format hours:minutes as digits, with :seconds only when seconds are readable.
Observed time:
7:27
